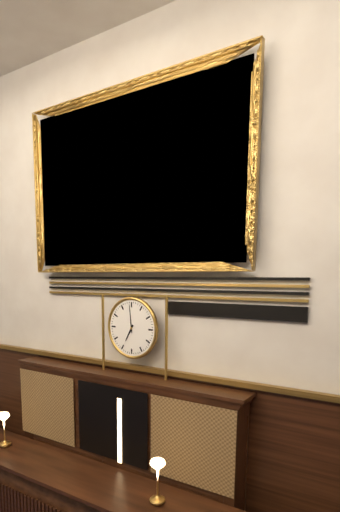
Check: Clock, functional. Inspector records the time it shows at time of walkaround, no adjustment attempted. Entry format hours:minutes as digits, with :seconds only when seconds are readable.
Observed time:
6:59
